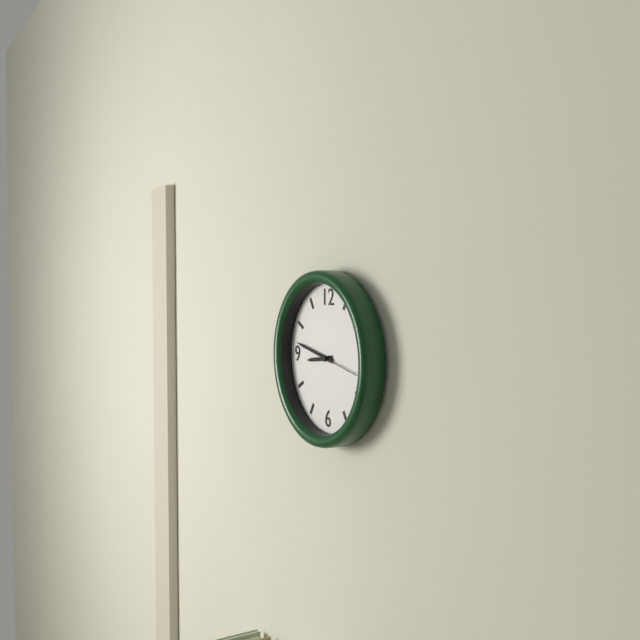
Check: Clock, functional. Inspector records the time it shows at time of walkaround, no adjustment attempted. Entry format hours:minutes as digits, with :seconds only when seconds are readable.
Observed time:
8:47
